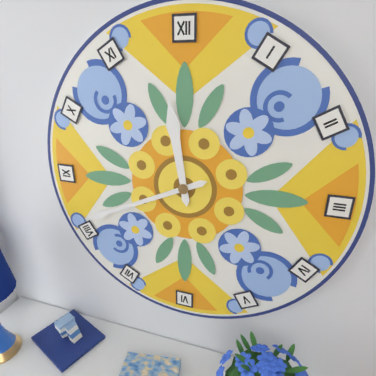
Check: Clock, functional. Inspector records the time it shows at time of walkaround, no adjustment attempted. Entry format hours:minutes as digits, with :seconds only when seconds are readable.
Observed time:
11:41
